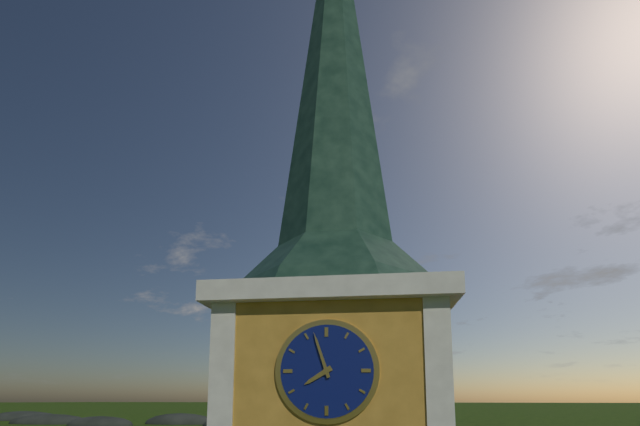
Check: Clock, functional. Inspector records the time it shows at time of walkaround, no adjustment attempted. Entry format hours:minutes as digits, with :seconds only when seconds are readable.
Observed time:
7:57
